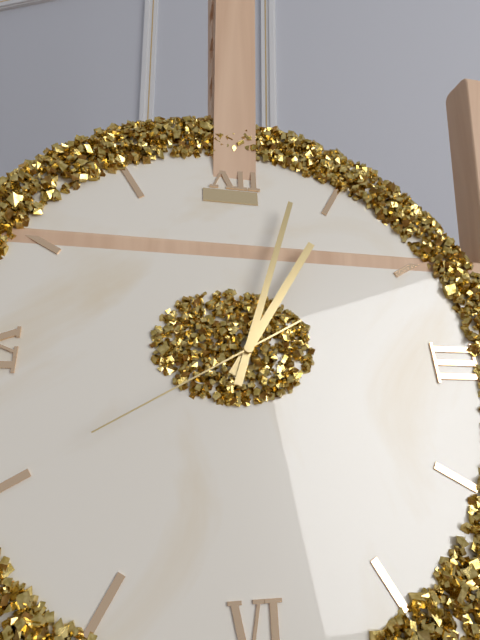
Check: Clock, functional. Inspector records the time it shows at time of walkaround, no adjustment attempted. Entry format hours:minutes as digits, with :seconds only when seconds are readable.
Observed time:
1:03:40
